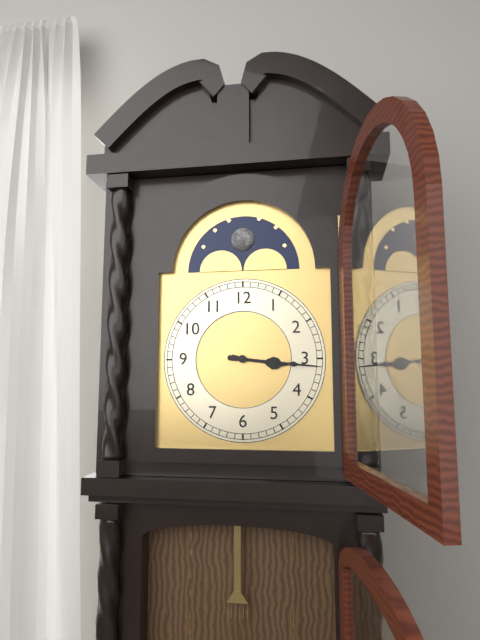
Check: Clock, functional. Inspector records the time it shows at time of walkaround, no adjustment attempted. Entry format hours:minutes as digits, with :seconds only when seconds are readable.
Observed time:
3:16
